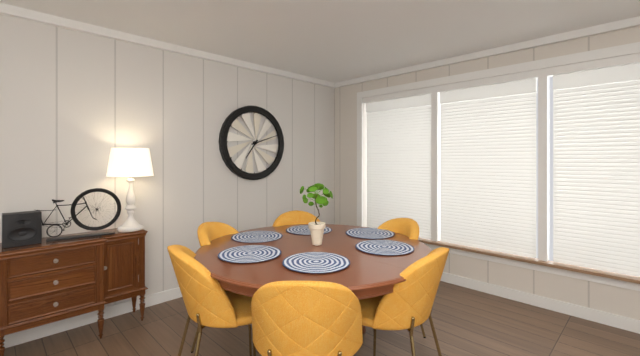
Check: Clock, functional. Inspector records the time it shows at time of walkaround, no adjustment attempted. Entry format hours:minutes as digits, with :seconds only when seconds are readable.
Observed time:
7:12
